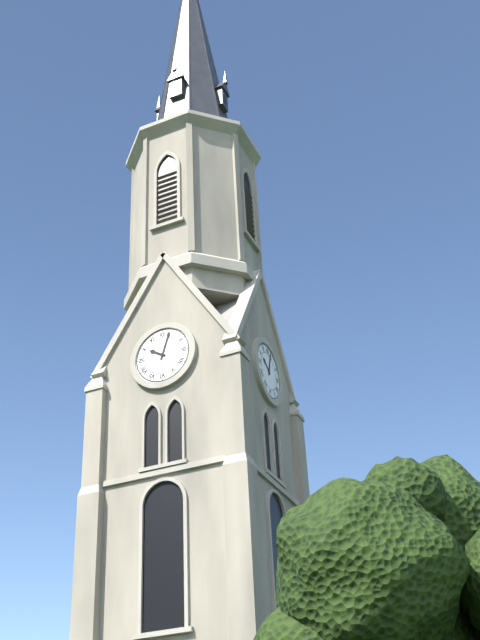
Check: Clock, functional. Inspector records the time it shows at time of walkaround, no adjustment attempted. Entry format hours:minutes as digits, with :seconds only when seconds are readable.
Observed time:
10:03
